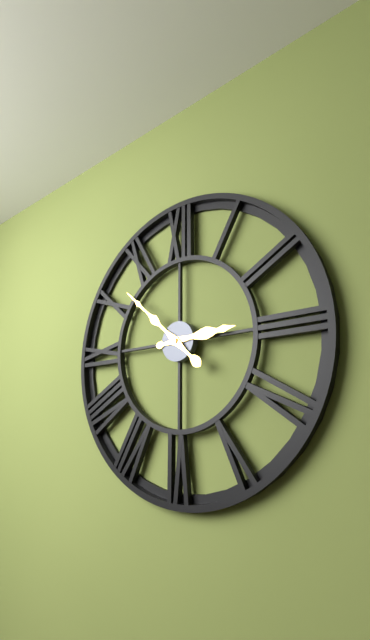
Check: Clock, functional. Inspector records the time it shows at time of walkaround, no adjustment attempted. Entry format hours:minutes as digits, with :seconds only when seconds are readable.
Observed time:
2:52
